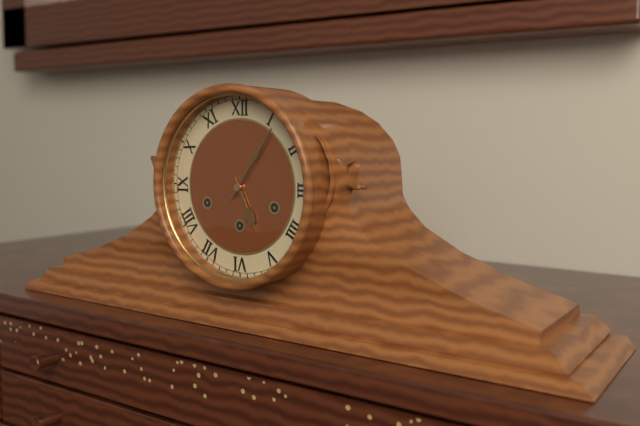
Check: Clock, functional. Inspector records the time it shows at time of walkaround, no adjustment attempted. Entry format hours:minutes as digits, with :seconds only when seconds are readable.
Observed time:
5:06
